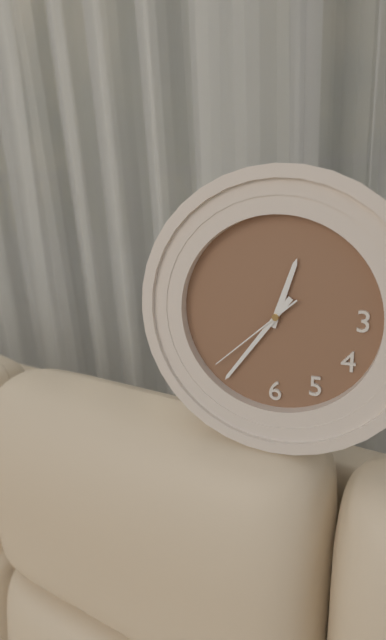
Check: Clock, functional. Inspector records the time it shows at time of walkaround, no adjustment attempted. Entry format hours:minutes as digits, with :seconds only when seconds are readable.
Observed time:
12:36:38
